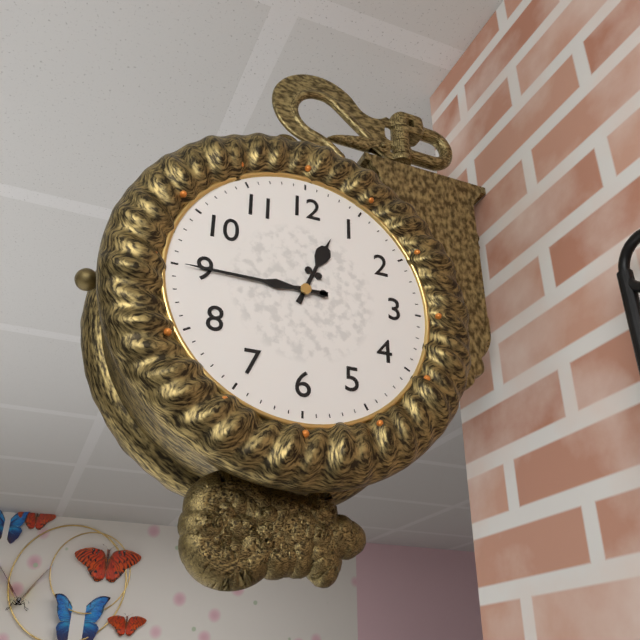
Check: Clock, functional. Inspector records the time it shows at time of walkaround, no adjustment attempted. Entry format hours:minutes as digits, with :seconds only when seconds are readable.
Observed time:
12:45
